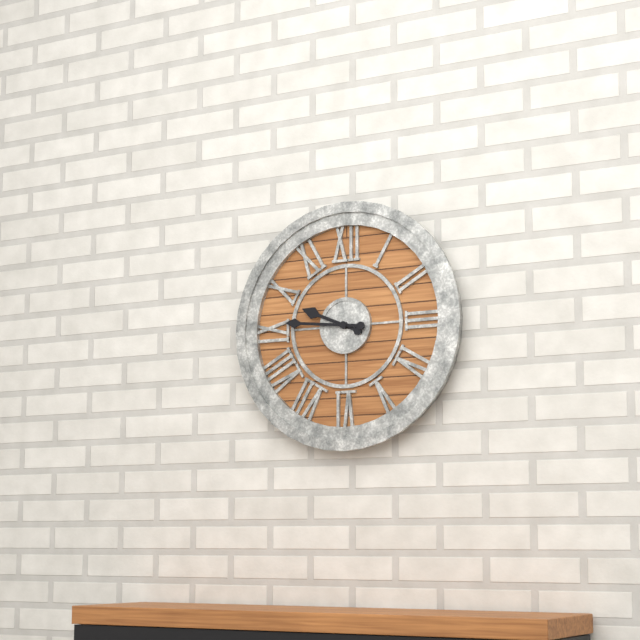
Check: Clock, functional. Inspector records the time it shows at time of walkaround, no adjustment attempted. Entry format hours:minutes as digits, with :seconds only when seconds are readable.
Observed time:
9:46
